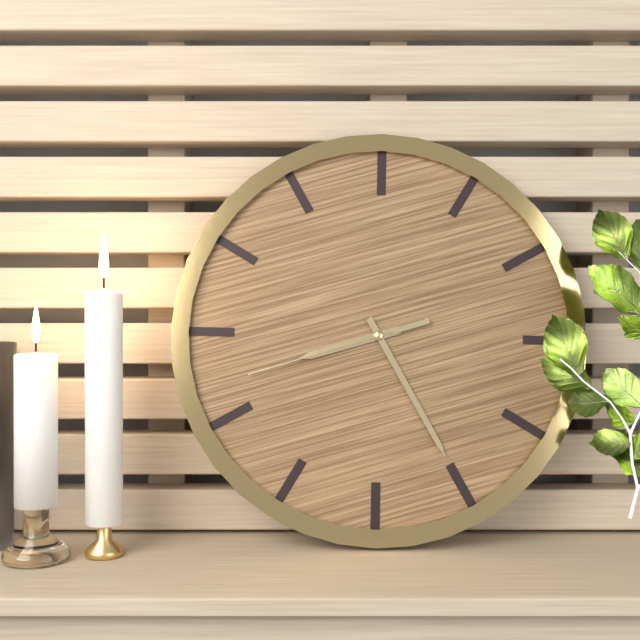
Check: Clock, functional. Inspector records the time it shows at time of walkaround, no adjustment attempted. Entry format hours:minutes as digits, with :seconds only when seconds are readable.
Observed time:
8:25:42
